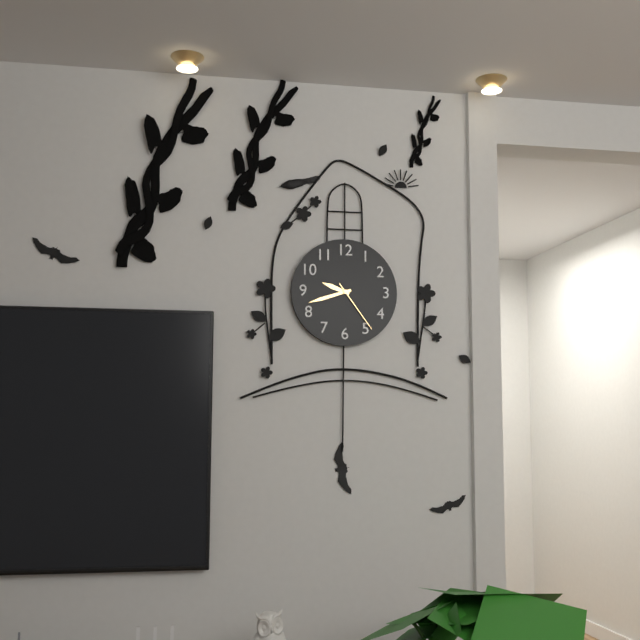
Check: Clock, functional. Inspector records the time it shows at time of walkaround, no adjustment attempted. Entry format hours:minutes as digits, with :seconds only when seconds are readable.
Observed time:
9:42:24
